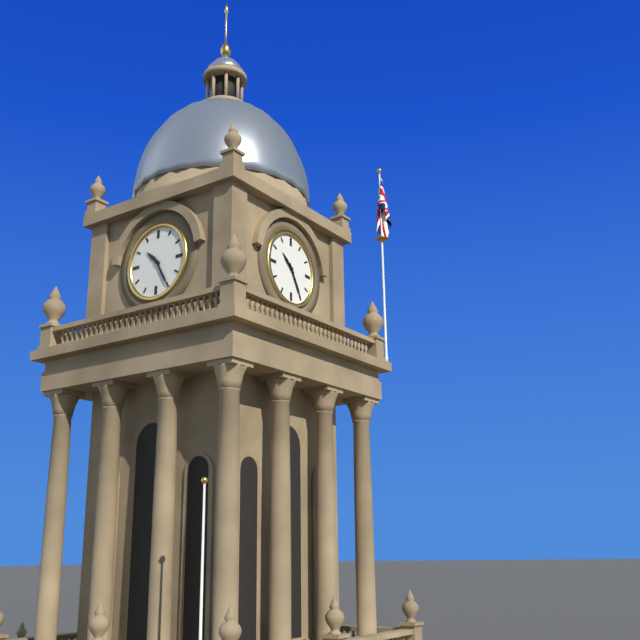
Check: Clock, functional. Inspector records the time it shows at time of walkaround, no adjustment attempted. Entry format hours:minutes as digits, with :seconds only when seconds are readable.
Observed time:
10:25
